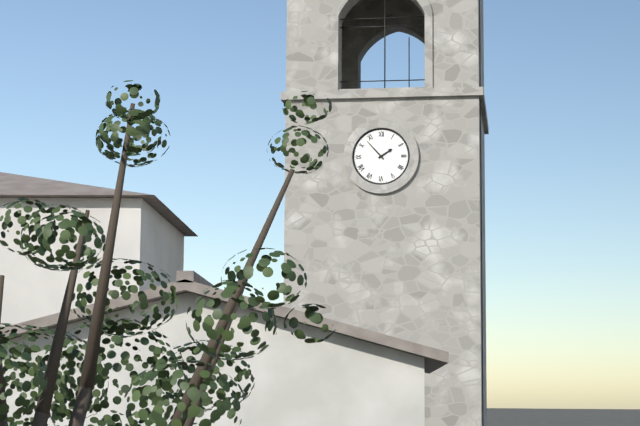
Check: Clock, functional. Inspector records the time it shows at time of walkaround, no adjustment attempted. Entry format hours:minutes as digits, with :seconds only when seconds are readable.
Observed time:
1:53
